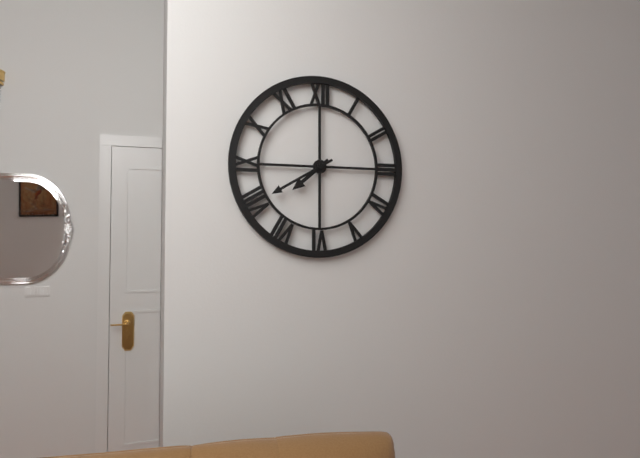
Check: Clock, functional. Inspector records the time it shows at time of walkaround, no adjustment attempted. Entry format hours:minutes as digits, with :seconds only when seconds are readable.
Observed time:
7:40
